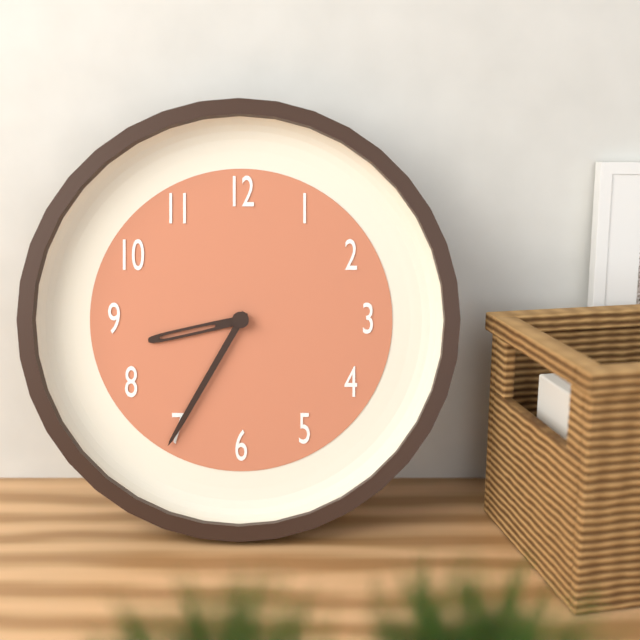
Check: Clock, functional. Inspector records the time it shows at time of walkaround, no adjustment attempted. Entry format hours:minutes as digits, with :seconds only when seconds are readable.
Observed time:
8:35
